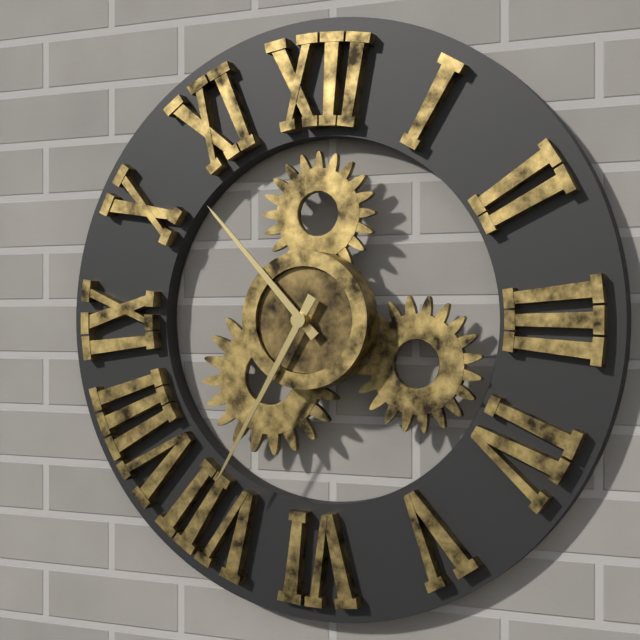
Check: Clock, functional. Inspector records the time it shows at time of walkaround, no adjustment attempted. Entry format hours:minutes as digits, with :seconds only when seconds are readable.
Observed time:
10:35
